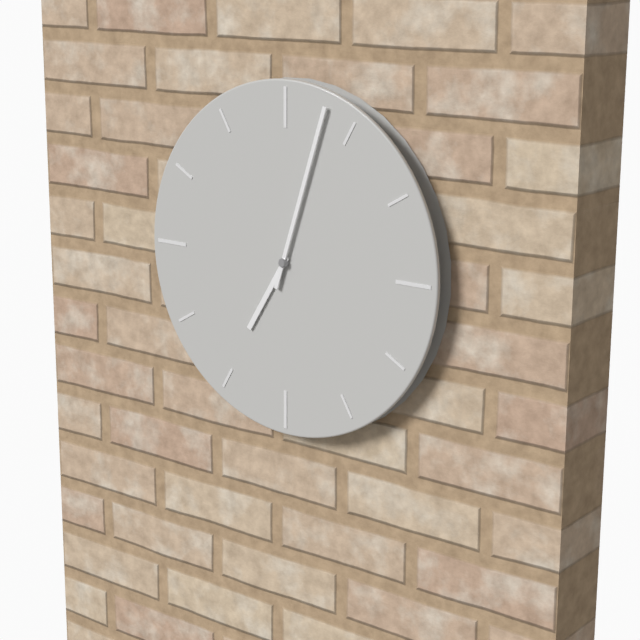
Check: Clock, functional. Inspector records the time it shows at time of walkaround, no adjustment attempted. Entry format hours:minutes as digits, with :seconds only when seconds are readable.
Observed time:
7:03
